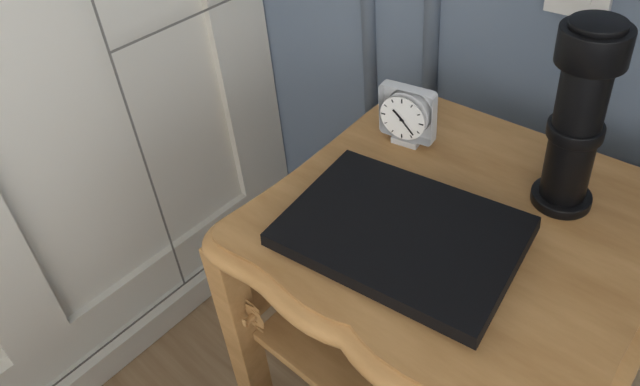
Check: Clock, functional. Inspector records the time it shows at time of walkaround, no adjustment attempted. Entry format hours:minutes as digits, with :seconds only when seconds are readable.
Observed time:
10:23
